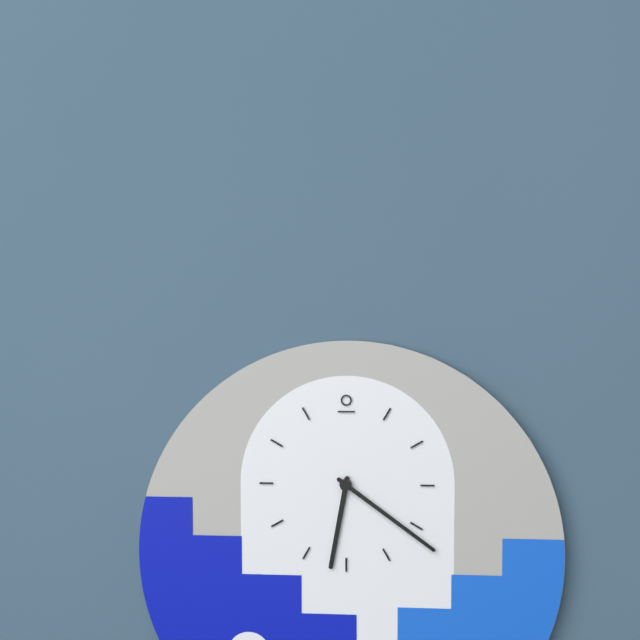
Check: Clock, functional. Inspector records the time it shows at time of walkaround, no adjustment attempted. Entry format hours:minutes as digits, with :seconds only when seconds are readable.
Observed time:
6:21
